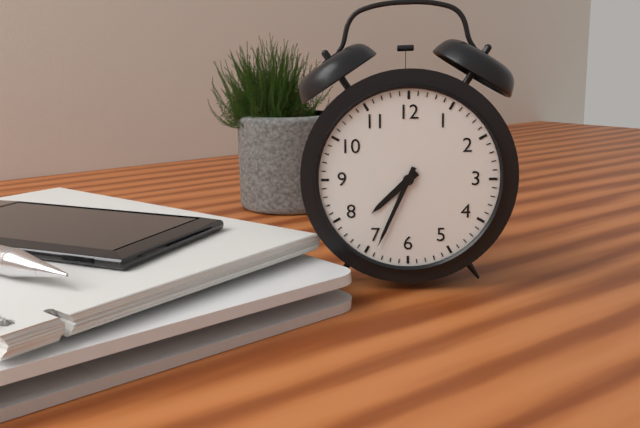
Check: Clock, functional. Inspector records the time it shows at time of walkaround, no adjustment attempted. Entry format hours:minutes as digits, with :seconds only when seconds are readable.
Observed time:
7:34
